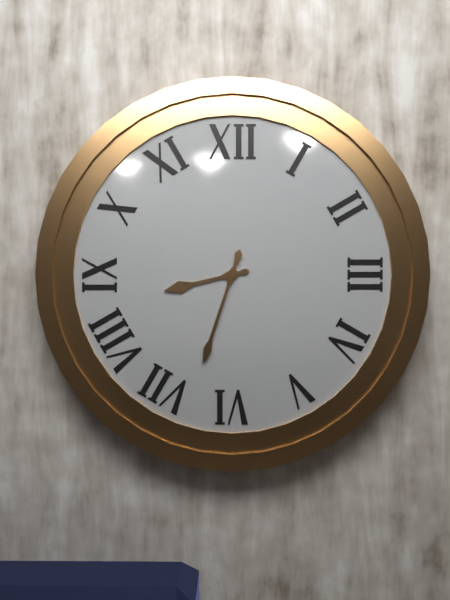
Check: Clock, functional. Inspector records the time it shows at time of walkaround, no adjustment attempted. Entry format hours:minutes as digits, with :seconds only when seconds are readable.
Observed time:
8:33
